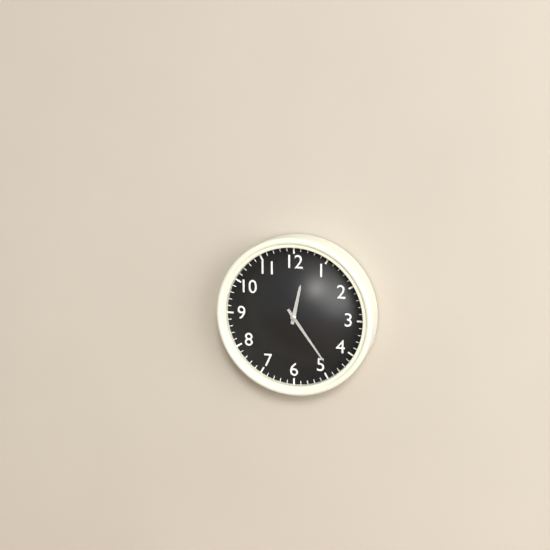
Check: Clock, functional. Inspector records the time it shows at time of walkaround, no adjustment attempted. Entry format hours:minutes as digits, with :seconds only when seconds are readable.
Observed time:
12:24
